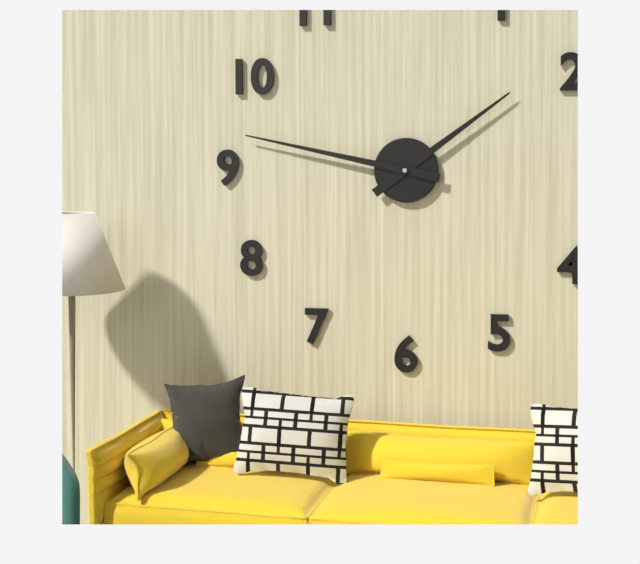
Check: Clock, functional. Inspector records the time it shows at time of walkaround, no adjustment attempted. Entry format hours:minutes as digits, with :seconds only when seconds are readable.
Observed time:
1:47
